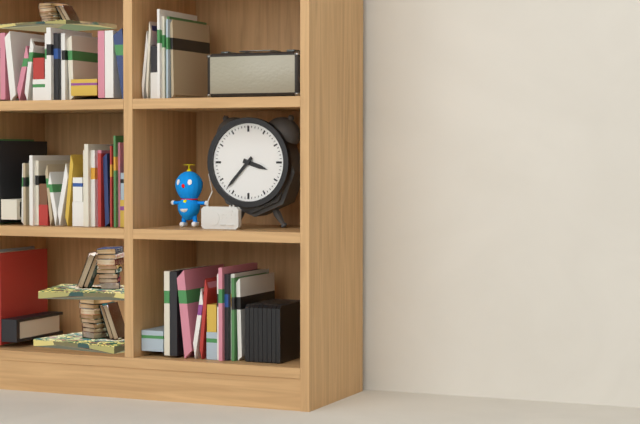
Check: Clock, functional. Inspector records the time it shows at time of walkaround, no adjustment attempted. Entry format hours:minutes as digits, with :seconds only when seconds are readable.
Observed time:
3:37
